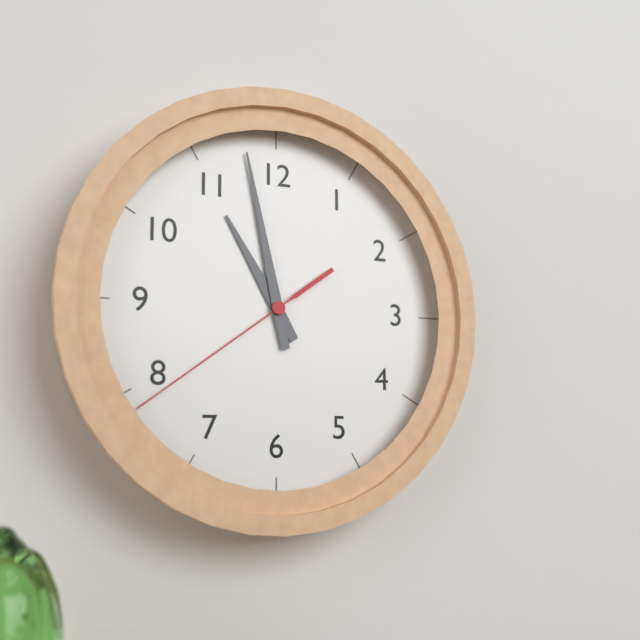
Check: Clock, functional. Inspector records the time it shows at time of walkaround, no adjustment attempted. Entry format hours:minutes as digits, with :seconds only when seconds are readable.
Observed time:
10:58:39
